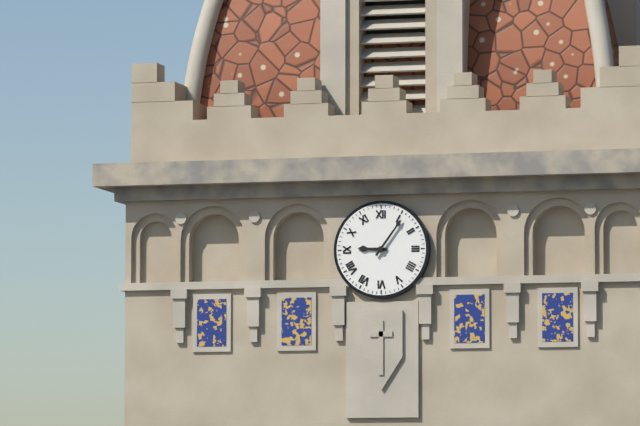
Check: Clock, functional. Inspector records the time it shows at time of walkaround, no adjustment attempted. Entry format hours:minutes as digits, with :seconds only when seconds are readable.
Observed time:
9:06
